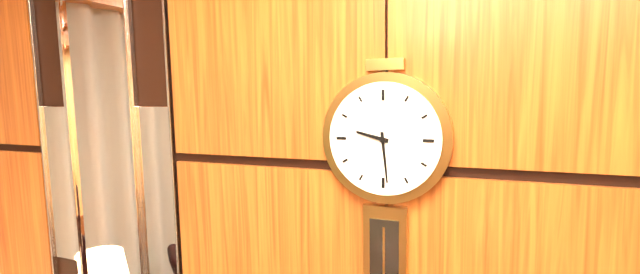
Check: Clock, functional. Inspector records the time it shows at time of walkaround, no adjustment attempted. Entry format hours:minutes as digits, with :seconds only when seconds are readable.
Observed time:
9:29
